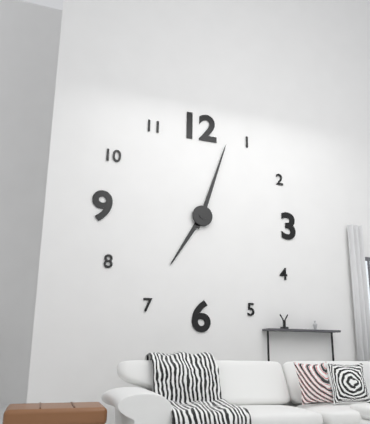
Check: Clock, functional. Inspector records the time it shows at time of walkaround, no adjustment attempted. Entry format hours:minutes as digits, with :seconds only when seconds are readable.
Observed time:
7:03
